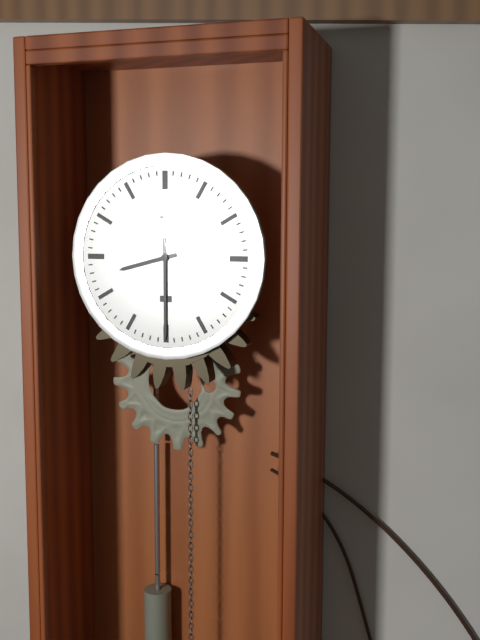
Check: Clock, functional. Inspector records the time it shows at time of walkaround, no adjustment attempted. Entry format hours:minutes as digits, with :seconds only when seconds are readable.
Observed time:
8:30
